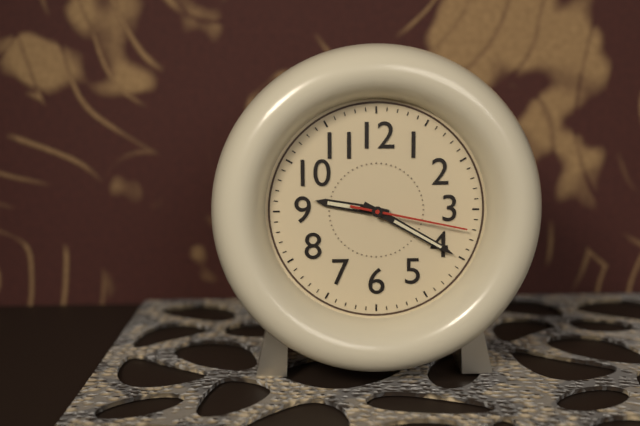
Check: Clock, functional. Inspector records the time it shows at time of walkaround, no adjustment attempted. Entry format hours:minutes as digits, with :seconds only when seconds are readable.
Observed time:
9:20:17
